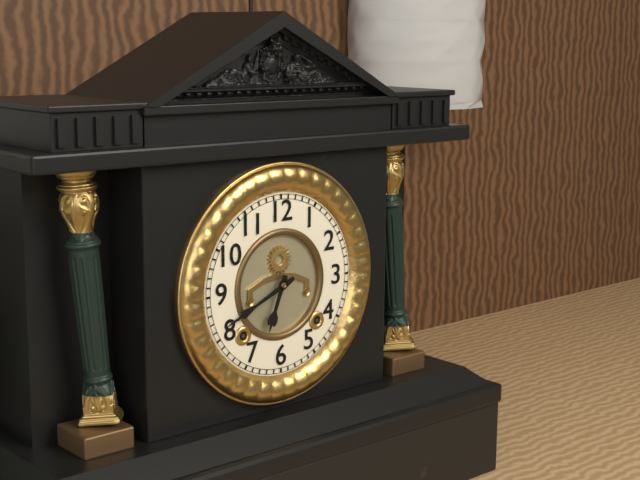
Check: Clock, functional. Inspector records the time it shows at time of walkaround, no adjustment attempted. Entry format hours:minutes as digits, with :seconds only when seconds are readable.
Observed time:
6:41
